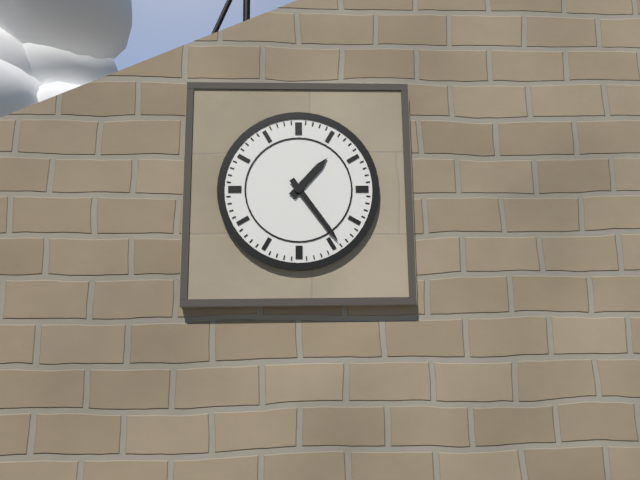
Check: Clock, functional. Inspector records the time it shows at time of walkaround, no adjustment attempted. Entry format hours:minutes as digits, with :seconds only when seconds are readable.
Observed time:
1:24
